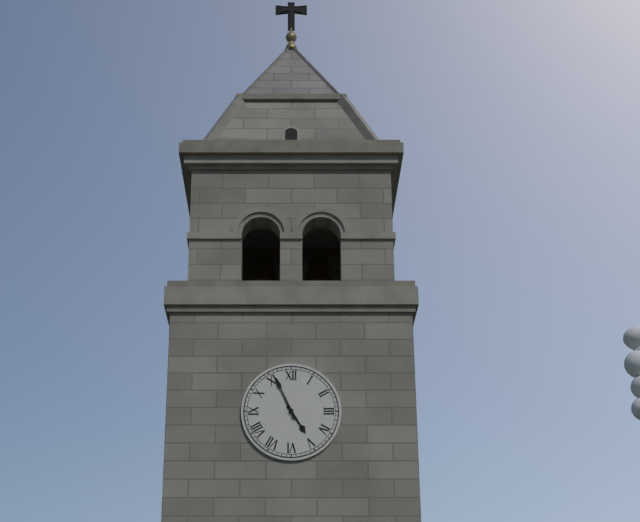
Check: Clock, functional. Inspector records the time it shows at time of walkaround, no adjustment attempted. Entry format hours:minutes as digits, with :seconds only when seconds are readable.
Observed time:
4:56
